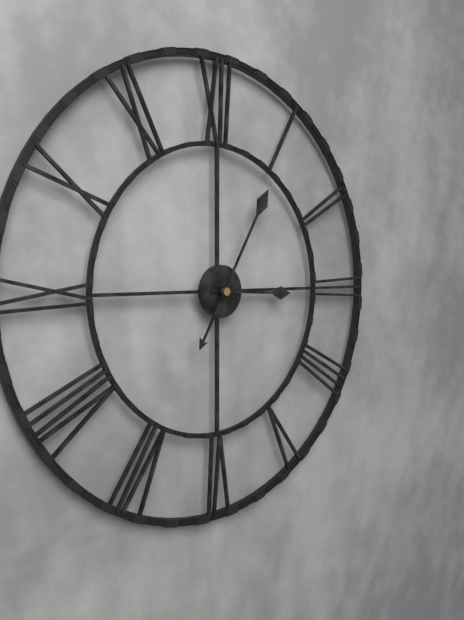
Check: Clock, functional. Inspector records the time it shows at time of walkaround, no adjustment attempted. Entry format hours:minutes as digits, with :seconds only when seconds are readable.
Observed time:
3:05
